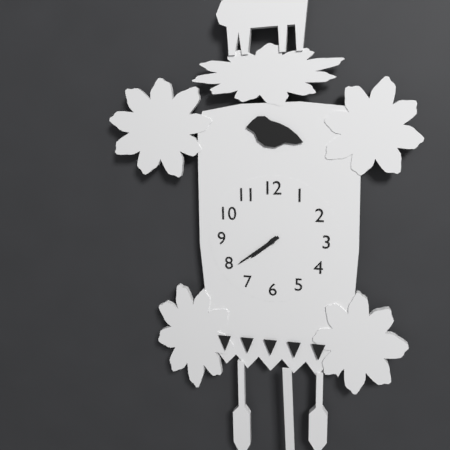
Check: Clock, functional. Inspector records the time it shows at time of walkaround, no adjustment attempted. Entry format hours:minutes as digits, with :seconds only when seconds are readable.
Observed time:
7:39
